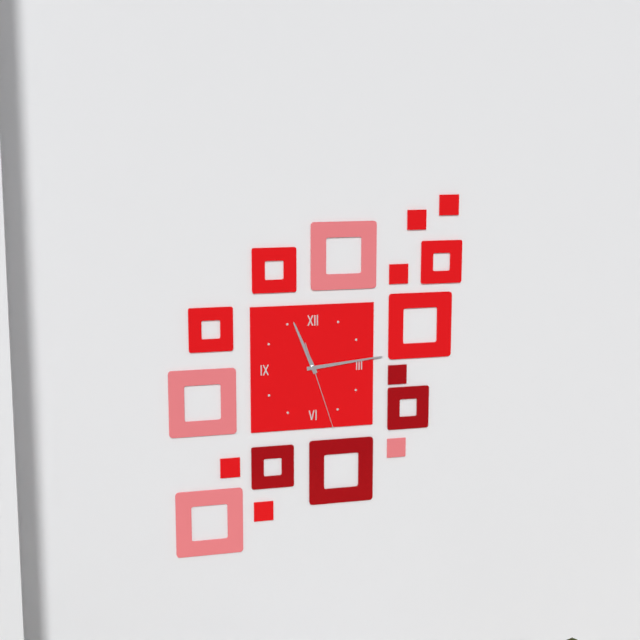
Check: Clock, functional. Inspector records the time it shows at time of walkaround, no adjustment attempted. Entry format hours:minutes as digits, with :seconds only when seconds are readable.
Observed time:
11:14:27
